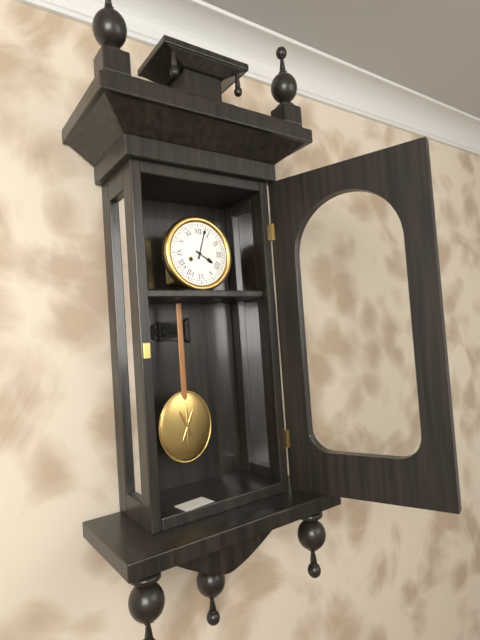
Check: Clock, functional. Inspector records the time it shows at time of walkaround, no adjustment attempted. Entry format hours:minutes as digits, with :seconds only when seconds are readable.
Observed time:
4:03
